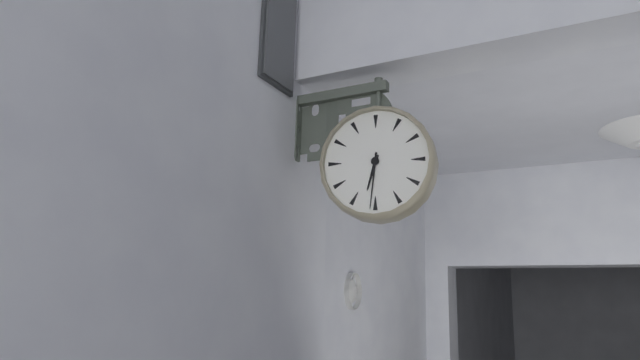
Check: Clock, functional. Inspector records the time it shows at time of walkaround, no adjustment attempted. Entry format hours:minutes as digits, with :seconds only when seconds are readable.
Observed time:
6:31
